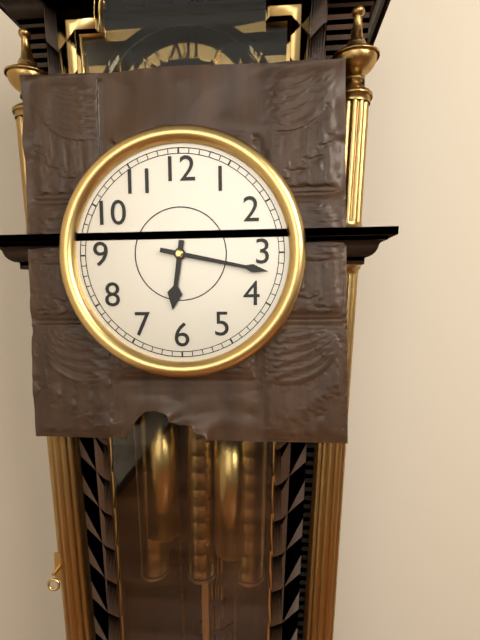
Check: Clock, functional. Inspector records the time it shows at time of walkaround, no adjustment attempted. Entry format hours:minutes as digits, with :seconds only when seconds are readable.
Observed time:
6:17
